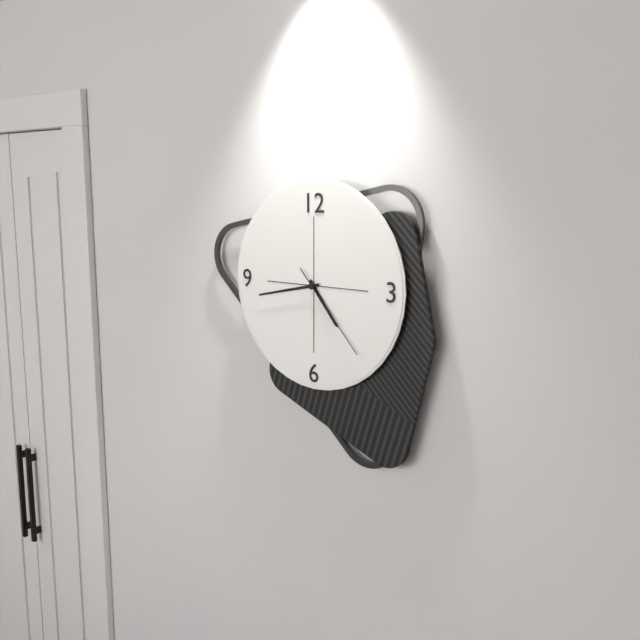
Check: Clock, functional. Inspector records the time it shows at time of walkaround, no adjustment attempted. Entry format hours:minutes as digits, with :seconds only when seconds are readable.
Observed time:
4:43:23
